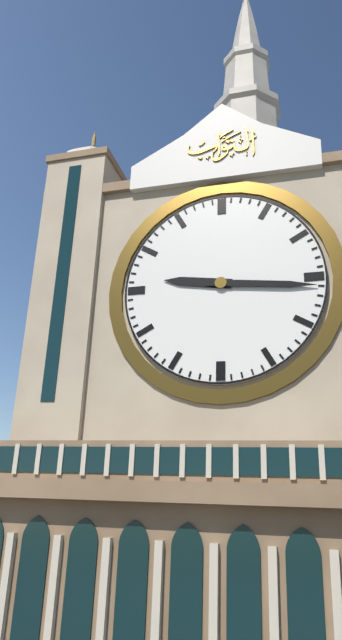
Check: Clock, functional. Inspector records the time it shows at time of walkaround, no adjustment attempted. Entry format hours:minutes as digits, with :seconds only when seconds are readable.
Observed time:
9:16
